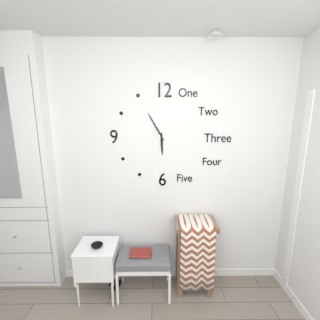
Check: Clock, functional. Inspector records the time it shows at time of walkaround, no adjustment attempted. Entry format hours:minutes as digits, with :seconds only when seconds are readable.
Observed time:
5:55
